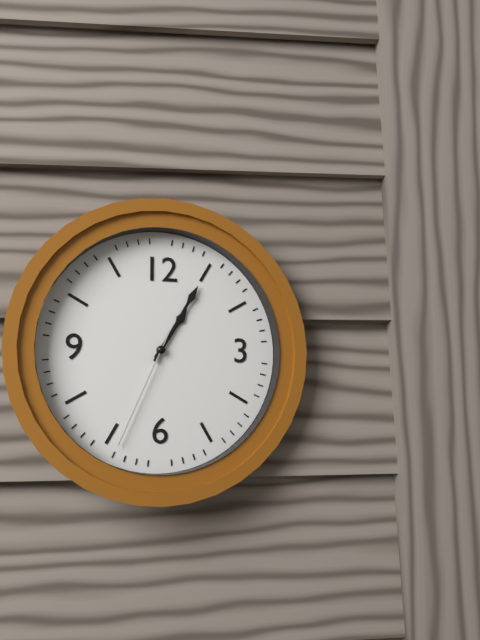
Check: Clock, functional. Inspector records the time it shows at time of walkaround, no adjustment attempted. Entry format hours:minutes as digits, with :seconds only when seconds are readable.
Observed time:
1:05:34
